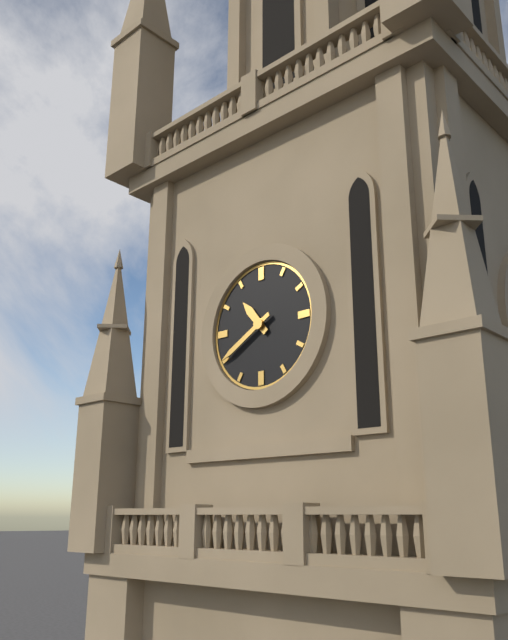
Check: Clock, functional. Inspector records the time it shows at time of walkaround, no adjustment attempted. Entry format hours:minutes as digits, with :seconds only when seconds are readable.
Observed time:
10:40
